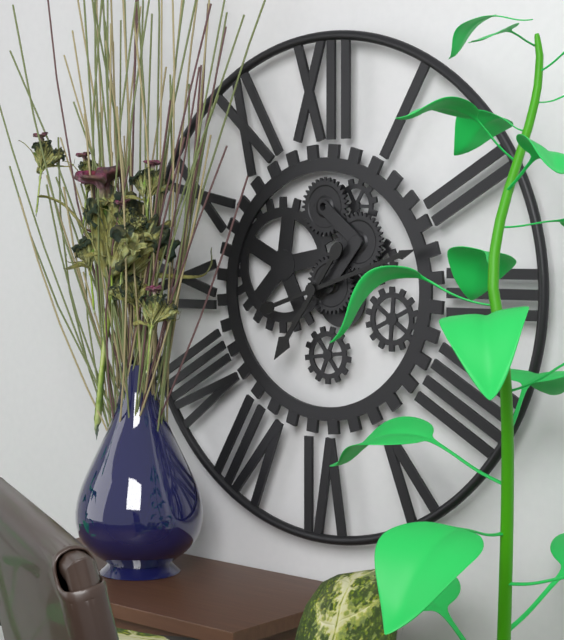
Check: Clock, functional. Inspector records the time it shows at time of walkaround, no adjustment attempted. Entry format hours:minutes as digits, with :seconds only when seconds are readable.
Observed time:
7:12
